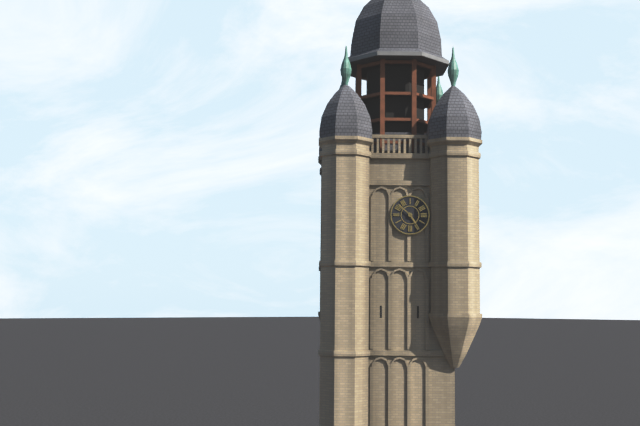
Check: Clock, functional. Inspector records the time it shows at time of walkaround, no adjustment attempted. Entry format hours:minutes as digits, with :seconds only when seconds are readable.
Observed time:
4:52
